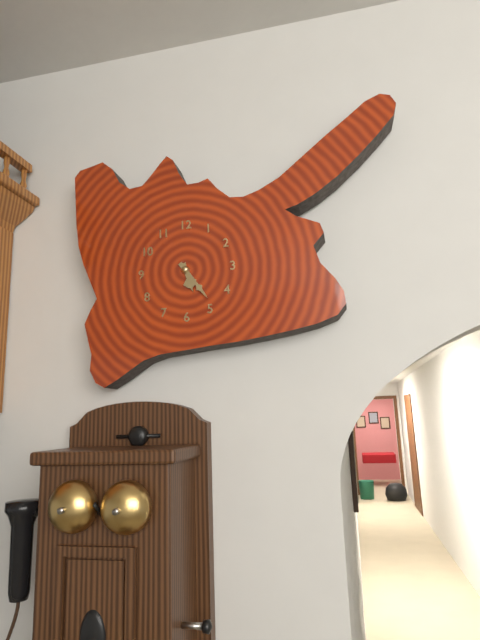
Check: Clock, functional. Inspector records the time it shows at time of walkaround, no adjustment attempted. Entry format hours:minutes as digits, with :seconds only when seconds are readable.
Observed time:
5:24
